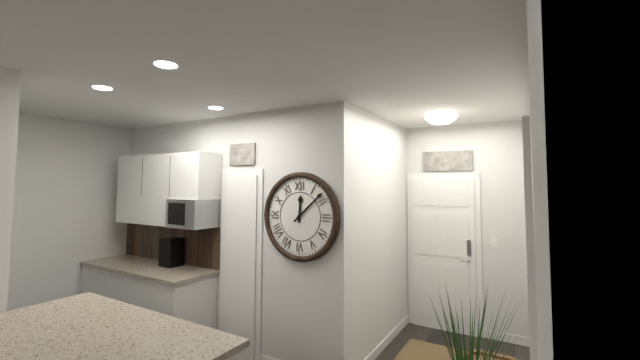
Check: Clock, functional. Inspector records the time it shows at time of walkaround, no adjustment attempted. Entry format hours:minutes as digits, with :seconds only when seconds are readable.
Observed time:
12:08
